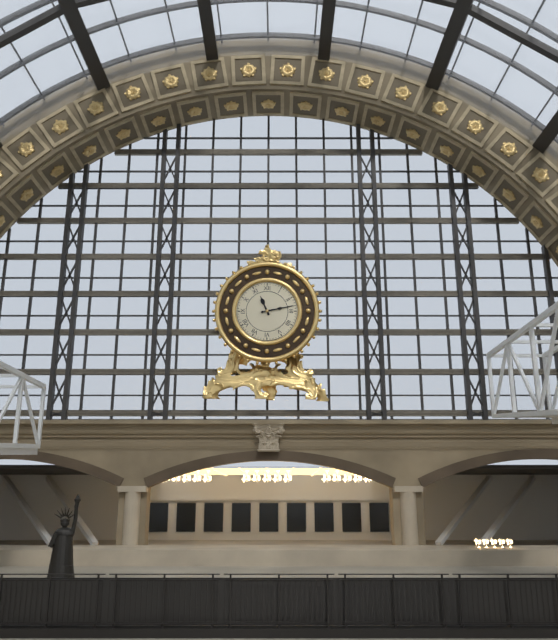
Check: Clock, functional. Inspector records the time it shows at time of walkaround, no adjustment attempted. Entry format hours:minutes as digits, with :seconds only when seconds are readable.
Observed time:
11:13
